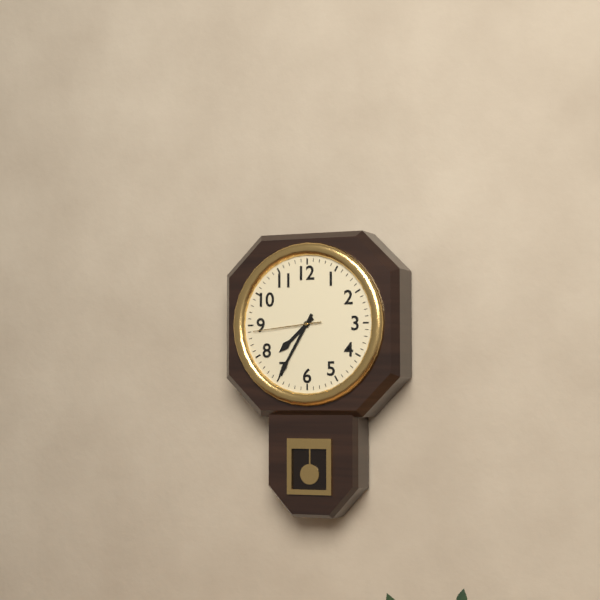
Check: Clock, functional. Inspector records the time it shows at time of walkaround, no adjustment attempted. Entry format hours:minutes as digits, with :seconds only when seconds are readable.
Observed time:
7:35:44
